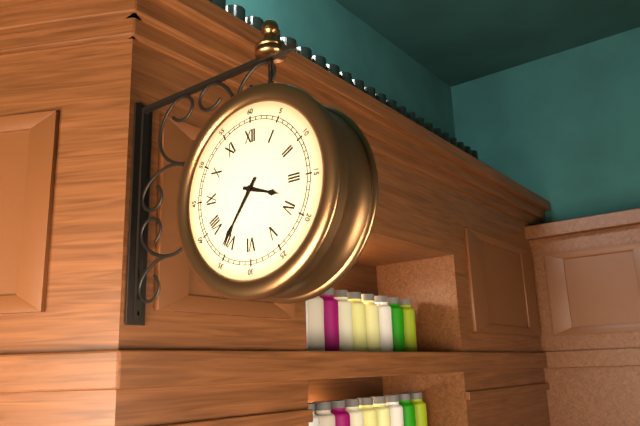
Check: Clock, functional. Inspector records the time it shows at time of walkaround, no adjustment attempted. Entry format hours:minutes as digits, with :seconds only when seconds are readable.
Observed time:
3:36
